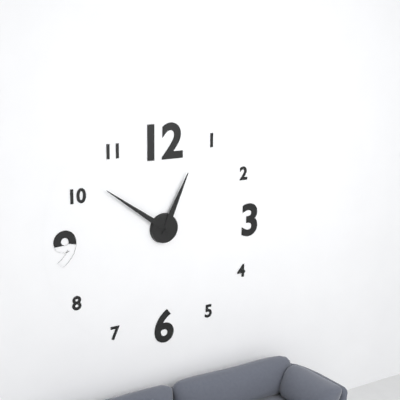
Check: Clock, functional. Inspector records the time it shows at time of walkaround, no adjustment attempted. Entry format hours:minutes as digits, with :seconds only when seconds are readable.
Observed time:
12:51
